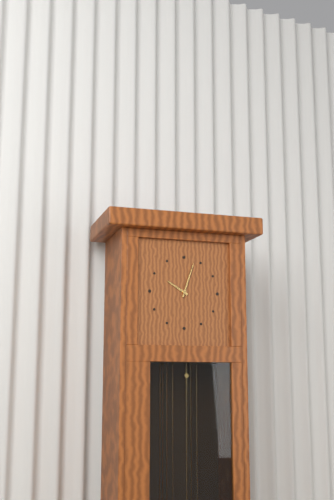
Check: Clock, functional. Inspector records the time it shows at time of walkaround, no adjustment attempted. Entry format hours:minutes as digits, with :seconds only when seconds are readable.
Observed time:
10:03
